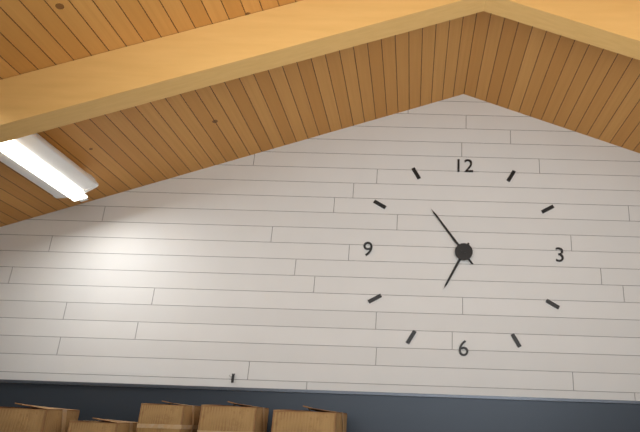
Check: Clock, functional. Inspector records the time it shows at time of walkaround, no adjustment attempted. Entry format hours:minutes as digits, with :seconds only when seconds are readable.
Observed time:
6:54
